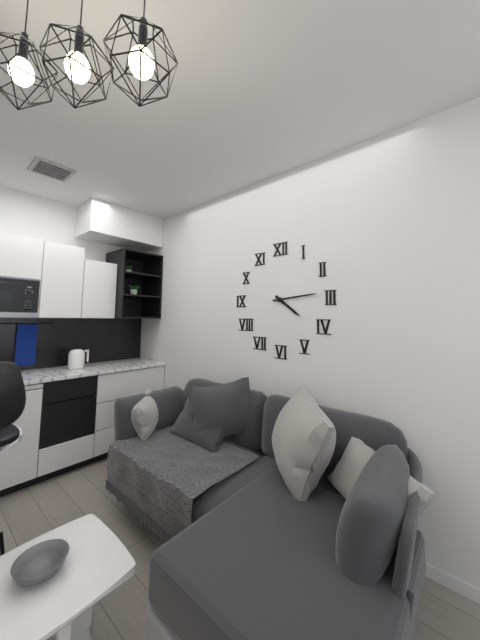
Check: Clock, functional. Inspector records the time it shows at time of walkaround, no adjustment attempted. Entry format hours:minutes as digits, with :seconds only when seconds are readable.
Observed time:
4:14
